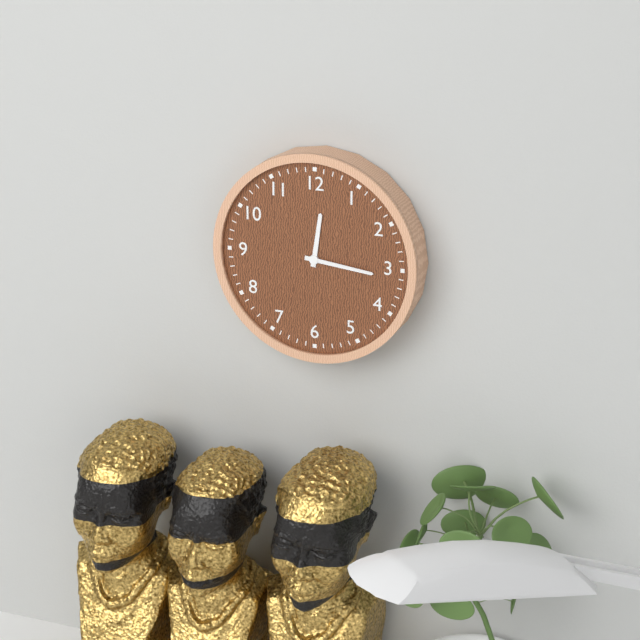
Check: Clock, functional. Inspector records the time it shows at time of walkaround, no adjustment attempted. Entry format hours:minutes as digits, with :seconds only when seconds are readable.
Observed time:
12:16
